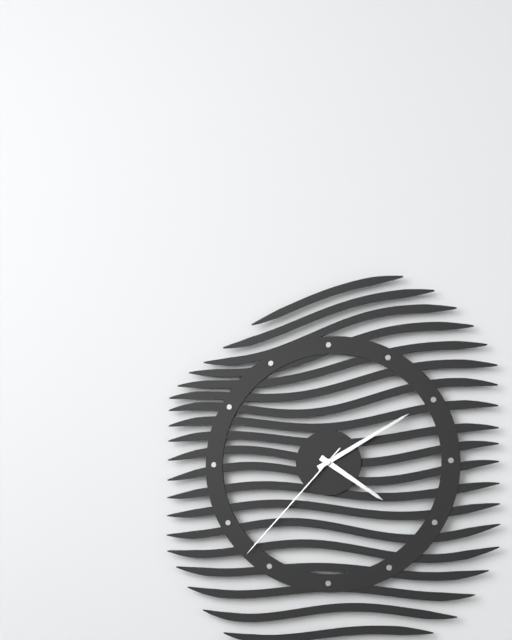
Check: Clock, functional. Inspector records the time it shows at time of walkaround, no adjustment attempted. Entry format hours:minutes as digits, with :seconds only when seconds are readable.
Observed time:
4:10:37
